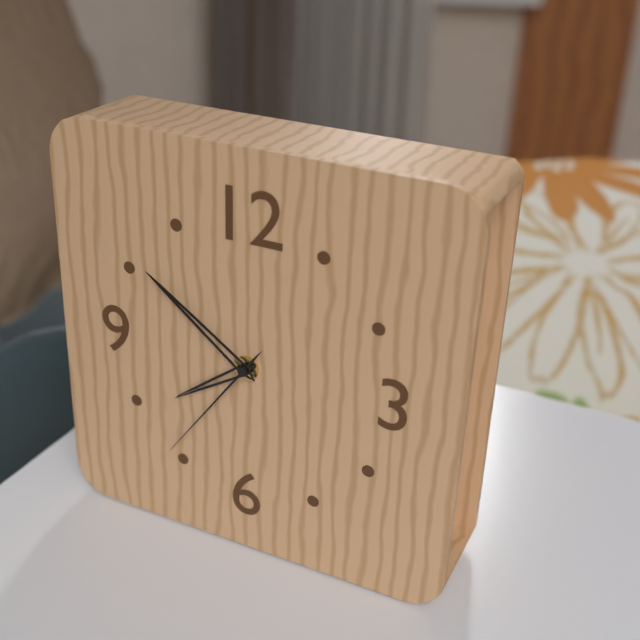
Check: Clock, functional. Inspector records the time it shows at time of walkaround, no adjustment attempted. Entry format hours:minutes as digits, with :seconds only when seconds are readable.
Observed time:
7:51:36
